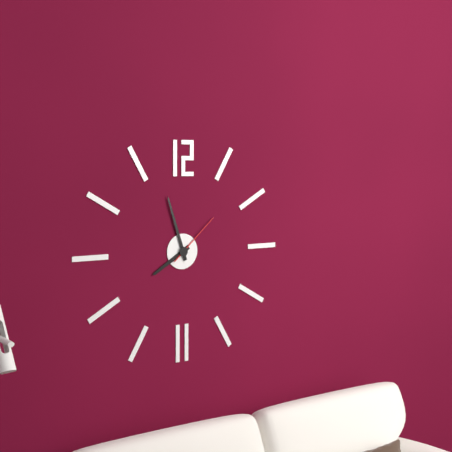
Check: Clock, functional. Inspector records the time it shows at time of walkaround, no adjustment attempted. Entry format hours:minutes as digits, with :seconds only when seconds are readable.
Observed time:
7:57:08
